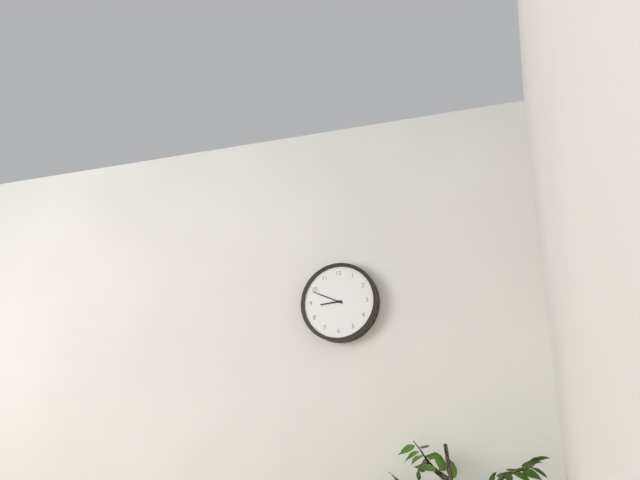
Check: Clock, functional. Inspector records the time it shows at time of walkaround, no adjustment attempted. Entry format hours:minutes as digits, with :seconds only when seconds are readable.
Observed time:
8:49
